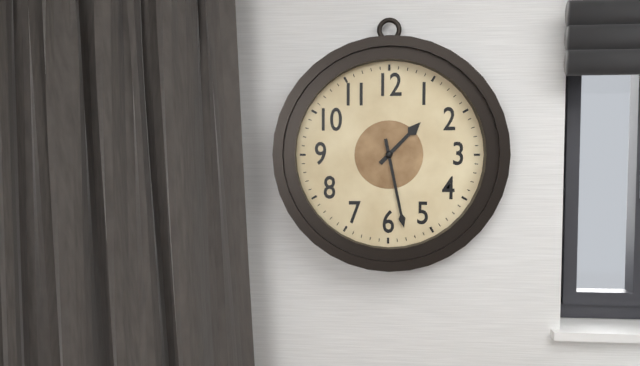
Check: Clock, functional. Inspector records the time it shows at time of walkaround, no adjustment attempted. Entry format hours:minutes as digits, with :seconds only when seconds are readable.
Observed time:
1:28
